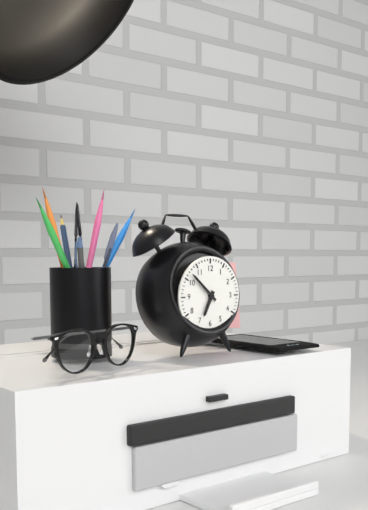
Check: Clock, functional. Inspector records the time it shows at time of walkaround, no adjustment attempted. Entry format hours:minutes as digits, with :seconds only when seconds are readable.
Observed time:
6:52
